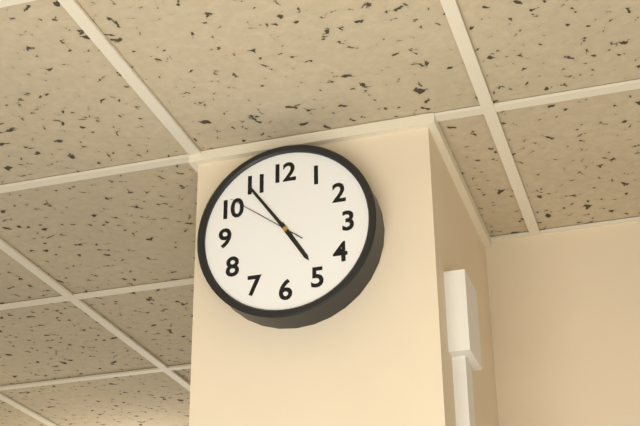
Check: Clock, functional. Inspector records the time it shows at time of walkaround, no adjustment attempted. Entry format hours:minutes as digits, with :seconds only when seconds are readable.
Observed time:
4:54:51
